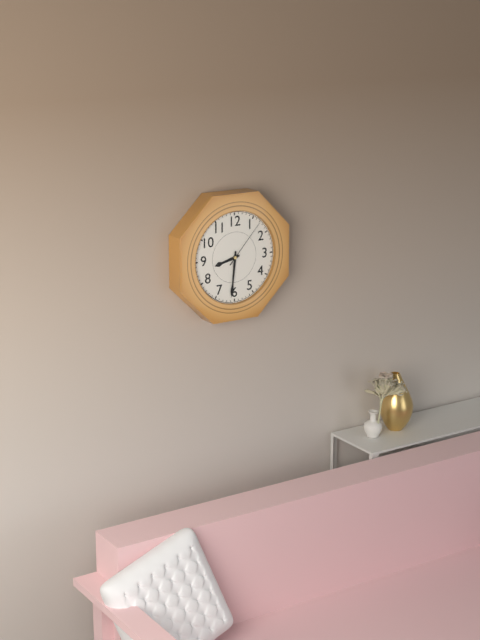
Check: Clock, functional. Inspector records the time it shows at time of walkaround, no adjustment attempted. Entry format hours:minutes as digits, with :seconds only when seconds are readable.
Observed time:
8:31:07
